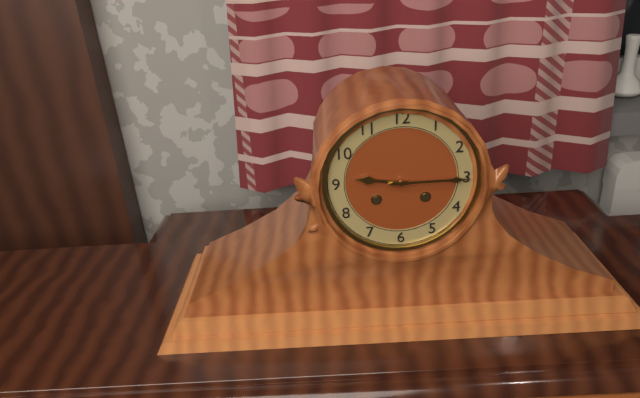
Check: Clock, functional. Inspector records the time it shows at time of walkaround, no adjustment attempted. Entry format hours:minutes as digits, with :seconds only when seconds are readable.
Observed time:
9:15
